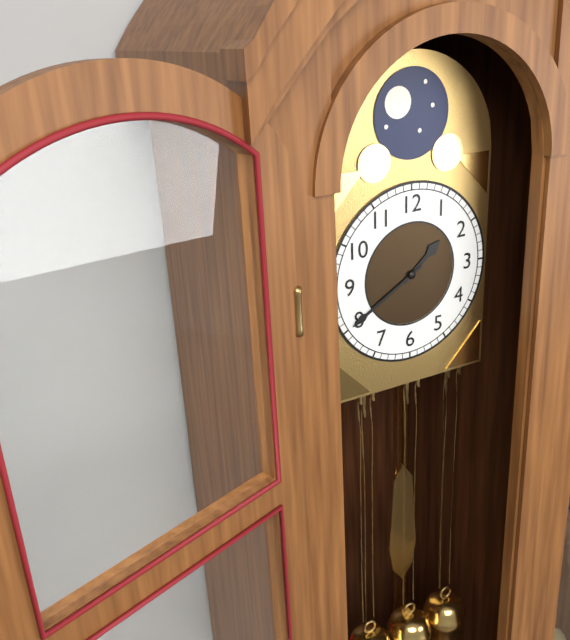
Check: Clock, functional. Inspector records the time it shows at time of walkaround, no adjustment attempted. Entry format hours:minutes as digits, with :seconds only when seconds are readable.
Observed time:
1:40
